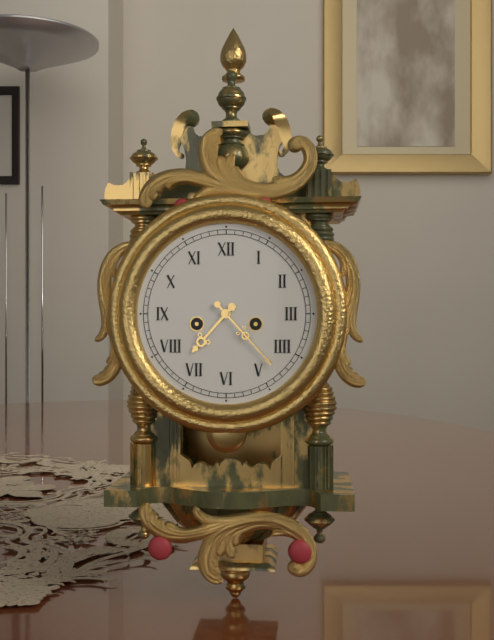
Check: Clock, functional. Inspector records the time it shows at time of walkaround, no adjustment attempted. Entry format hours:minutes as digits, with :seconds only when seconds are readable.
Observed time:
7:23
